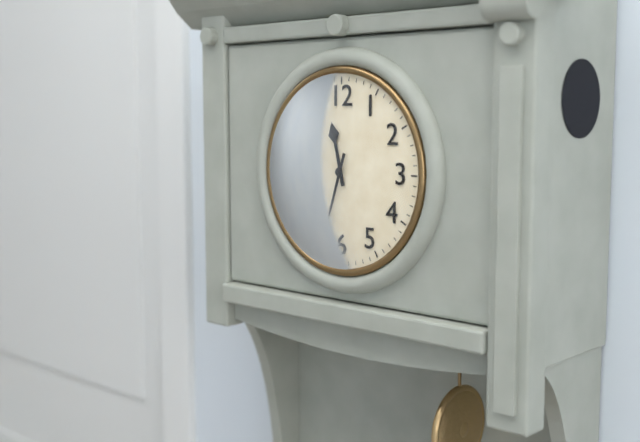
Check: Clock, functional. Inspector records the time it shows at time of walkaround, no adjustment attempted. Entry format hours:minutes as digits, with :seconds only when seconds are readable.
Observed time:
11:33
